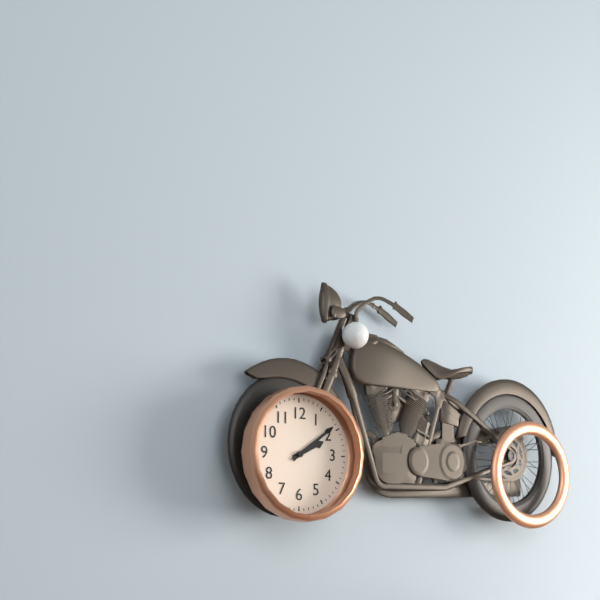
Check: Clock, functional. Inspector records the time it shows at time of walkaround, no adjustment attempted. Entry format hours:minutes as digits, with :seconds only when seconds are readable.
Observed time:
2:09
